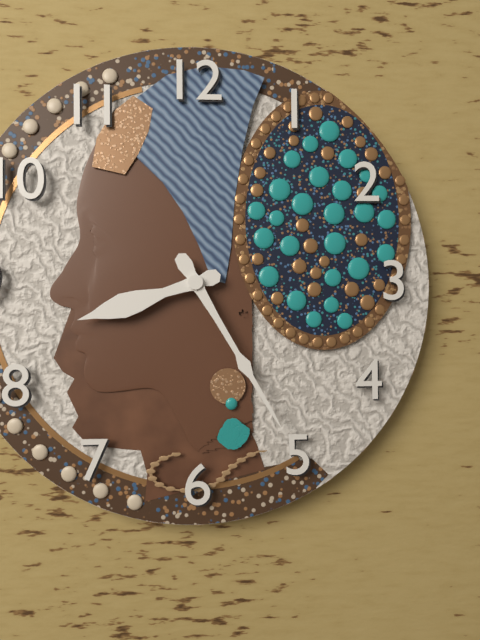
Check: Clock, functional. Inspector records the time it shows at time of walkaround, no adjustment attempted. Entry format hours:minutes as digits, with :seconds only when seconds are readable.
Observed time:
8:25
